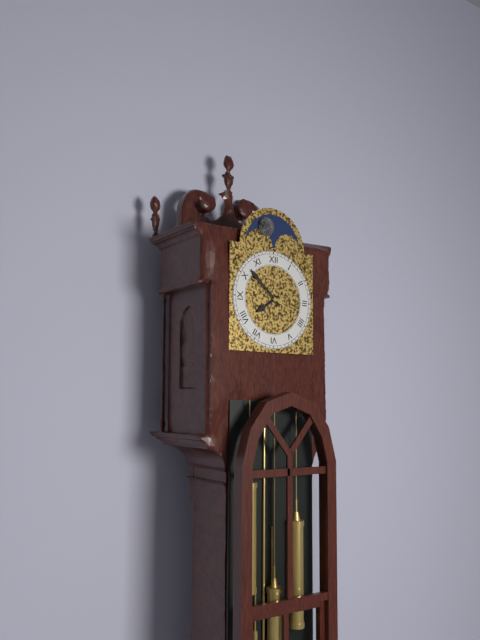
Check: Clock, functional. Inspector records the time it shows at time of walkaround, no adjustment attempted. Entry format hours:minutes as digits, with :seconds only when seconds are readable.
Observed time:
7:52
